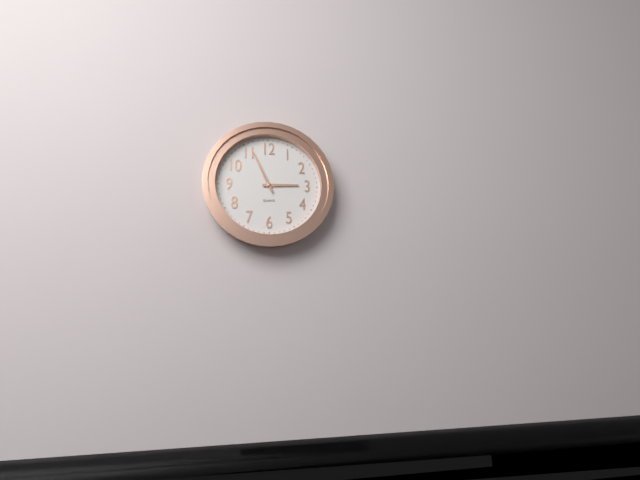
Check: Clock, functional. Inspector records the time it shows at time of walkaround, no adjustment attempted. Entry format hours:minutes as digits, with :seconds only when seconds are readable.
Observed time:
2:56
